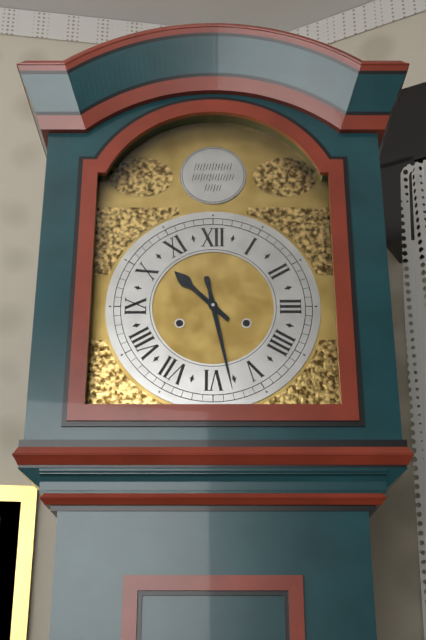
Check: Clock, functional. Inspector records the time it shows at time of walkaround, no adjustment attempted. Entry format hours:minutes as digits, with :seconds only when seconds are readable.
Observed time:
10:28
